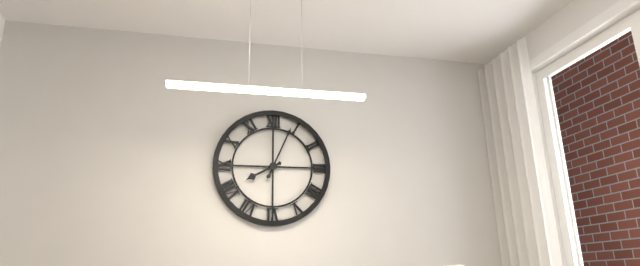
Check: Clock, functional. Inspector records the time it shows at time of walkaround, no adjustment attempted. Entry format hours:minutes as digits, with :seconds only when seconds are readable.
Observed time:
8:04
